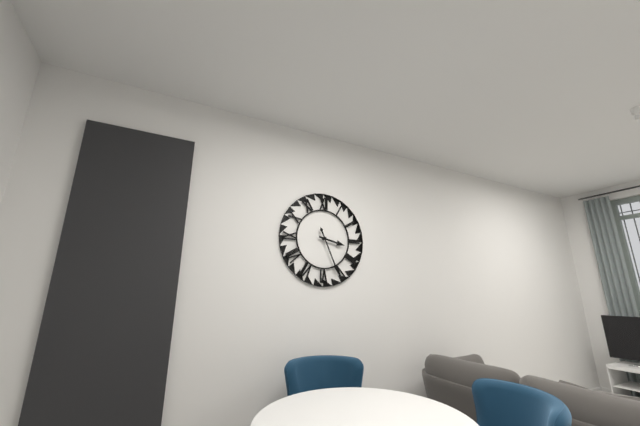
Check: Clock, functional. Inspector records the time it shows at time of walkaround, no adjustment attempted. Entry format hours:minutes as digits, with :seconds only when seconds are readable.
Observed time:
3:26
